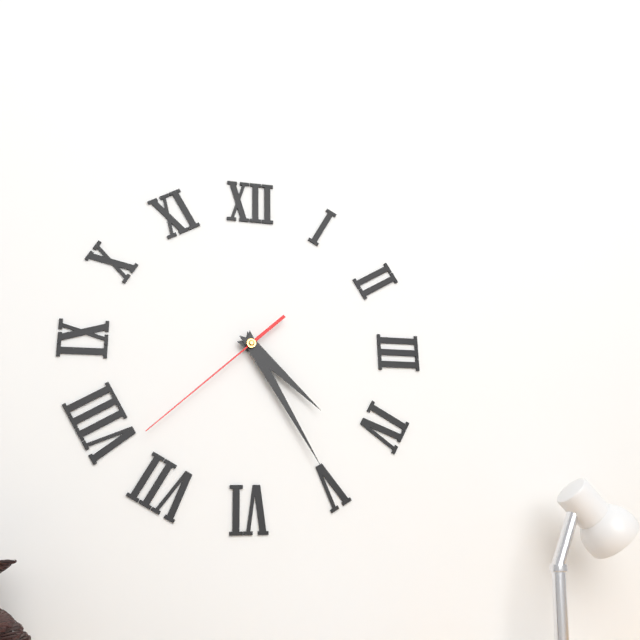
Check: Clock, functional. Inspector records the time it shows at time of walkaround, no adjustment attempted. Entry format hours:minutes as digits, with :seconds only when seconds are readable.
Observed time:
4:25:38
